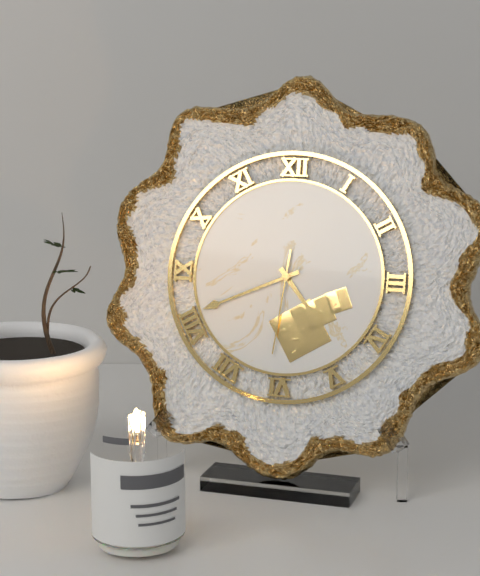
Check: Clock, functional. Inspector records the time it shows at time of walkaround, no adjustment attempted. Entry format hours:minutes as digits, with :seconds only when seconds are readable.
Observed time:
4:41:31
